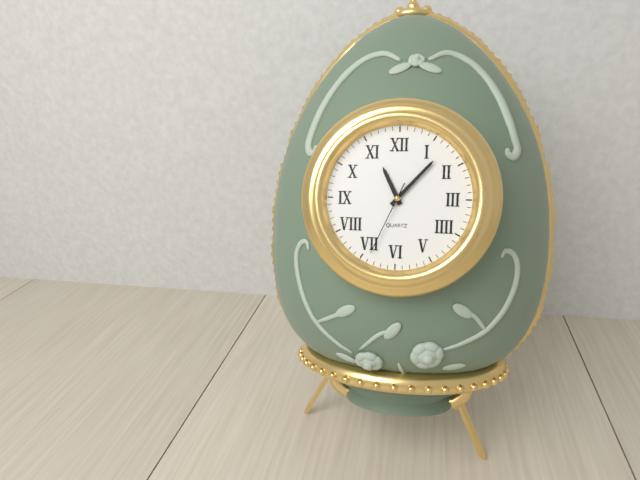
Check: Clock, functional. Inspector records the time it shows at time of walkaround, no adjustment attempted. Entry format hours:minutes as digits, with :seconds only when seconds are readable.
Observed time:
11:07:34
